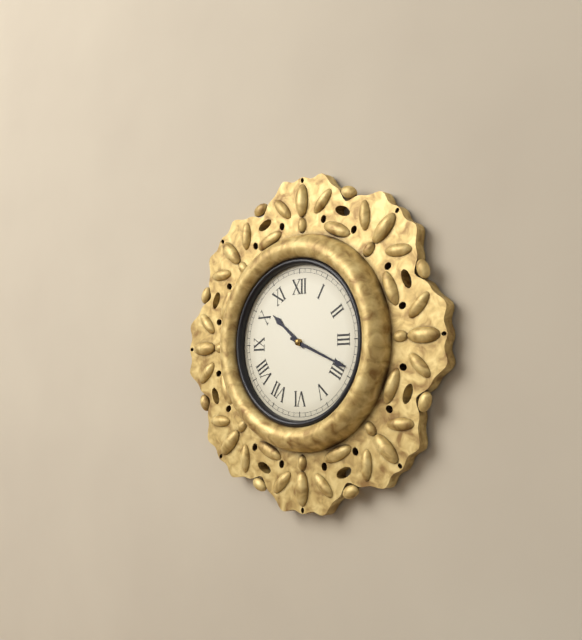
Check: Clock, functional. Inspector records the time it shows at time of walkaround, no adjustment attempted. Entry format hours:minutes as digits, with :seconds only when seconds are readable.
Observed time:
10:19
